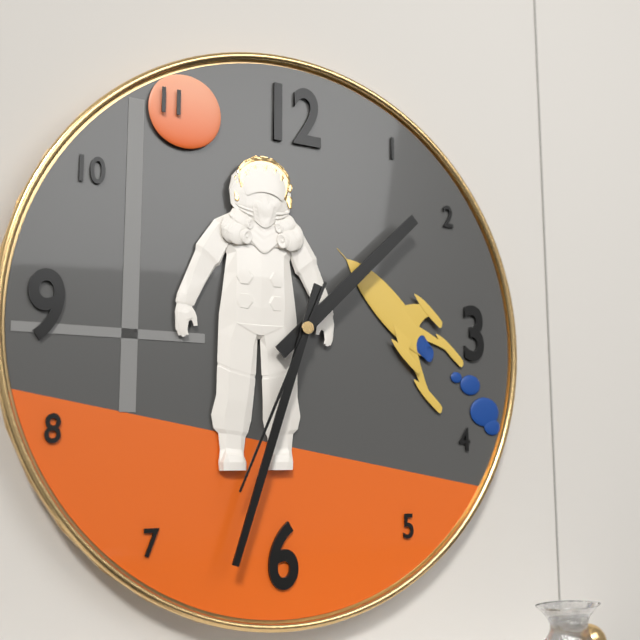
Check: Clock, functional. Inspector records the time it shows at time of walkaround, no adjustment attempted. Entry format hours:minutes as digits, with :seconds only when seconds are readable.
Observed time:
1:33:34
